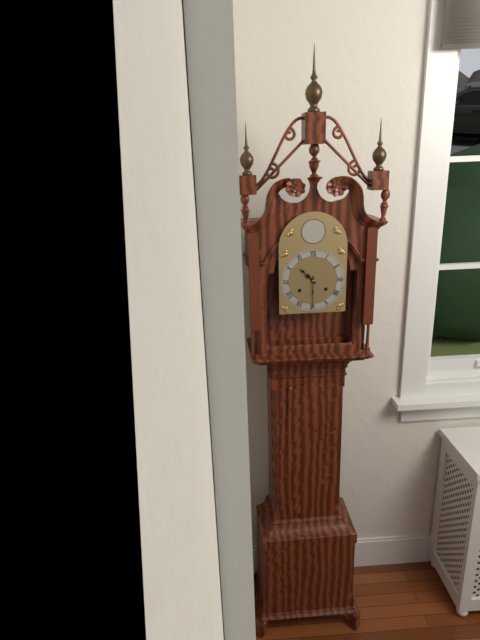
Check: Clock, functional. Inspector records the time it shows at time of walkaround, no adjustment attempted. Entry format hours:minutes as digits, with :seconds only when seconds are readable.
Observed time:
10:30
